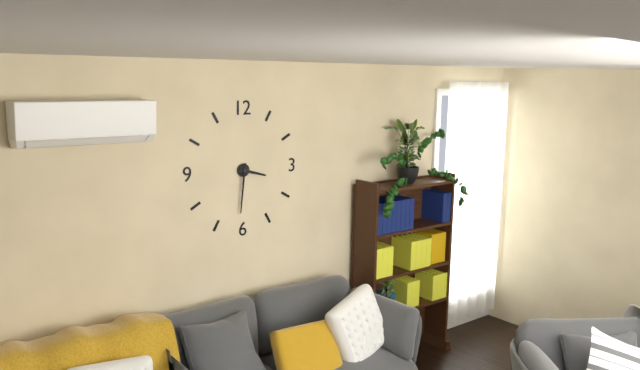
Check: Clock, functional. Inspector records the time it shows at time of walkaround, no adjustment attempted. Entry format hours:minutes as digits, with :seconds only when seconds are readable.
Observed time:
3:31
